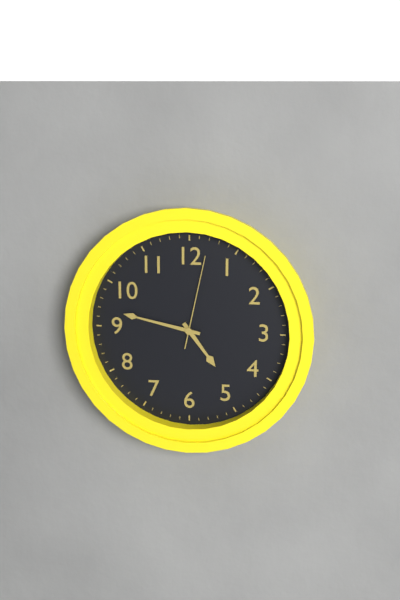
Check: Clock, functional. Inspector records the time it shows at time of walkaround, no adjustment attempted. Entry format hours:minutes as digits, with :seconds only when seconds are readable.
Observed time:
4:47:02
